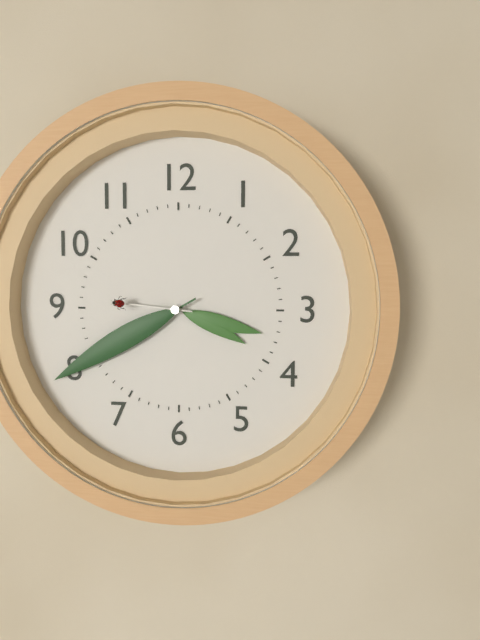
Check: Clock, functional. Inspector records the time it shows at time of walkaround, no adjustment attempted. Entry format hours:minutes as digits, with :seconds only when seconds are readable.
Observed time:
3:40:46
